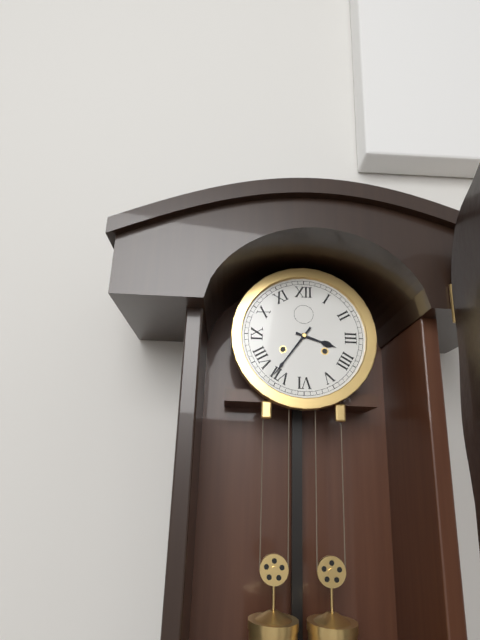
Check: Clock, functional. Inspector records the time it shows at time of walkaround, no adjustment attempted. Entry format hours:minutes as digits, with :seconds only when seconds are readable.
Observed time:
3:36
